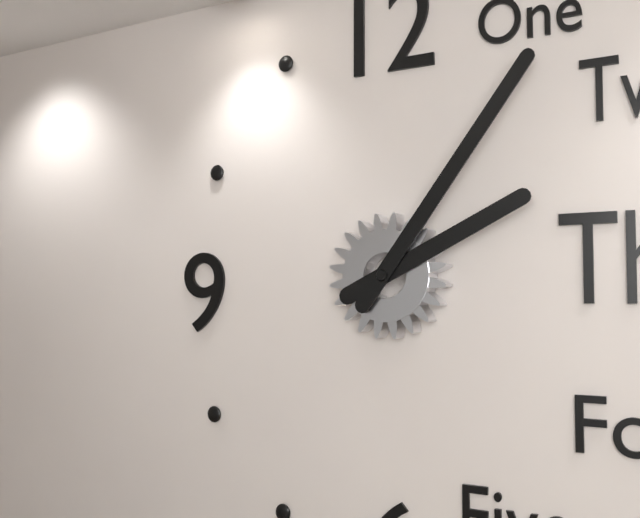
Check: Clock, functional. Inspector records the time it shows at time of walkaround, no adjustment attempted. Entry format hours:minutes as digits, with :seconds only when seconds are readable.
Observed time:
2:06
